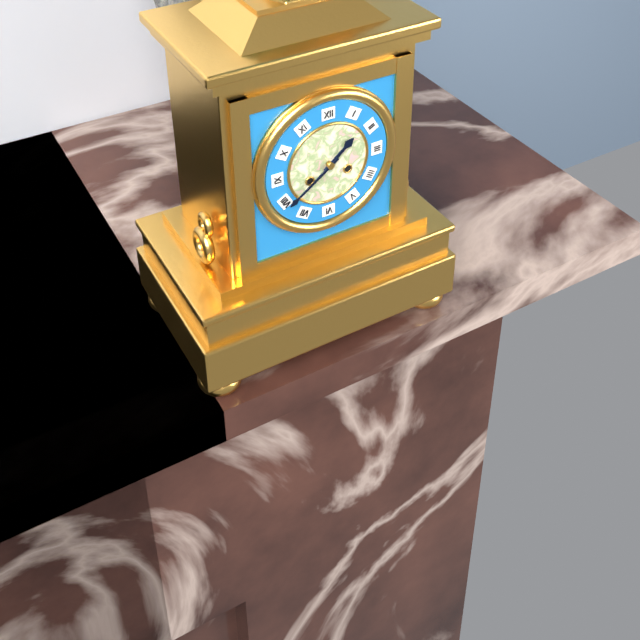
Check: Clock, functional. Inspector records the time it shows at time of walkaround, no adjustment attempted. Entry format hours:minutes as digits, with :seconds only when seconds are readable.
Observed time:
1:39
